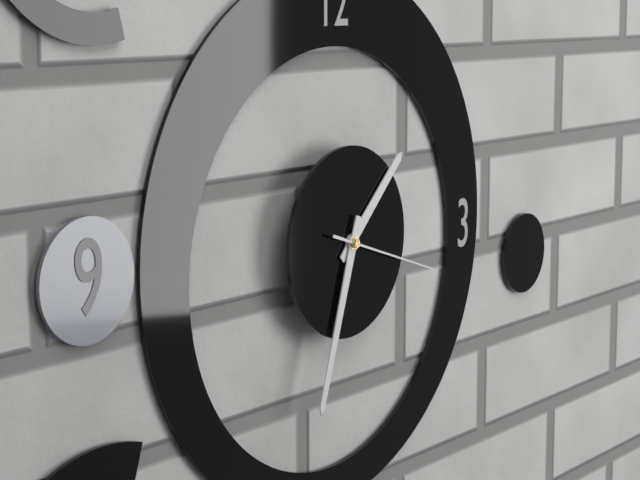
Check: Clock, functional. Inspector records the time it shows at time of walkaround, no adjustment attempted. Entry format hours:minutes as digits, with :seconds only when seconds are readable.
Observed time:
1:33:18
